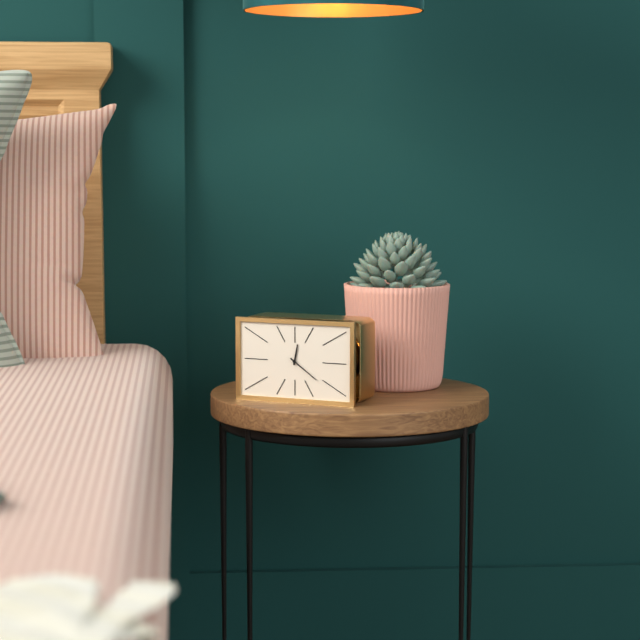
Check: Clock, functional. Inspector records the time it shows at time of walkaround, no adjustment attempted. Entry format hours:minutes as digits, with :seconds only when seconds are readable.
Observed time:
12:21
